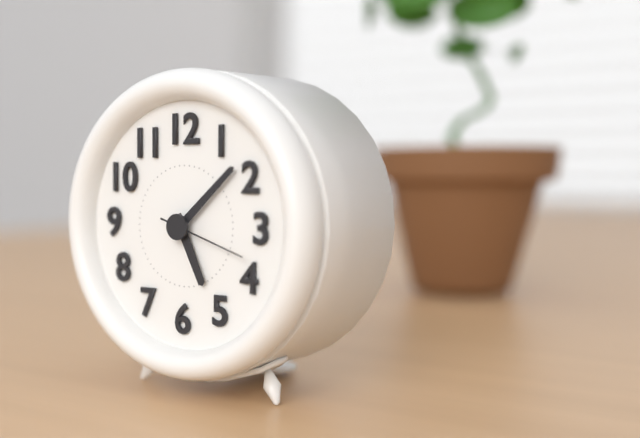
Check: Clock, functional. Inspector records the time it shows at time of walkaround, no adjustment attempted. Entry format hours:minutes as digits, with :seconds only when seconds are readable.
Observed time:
5:08:18
